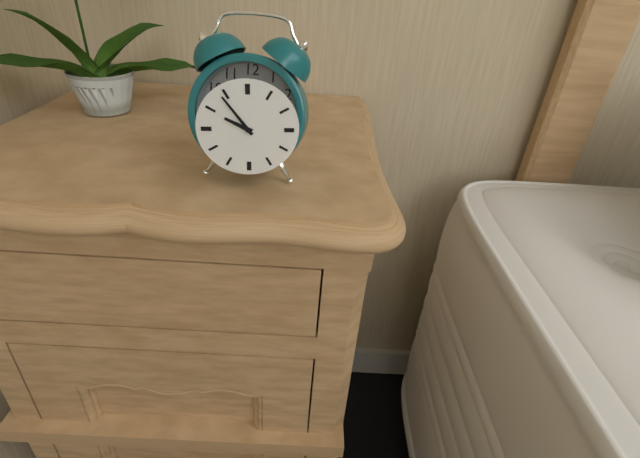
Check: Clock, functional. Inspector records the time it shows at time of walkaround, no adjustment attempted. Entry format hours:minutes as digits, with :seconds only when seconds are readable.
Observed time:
9:54
